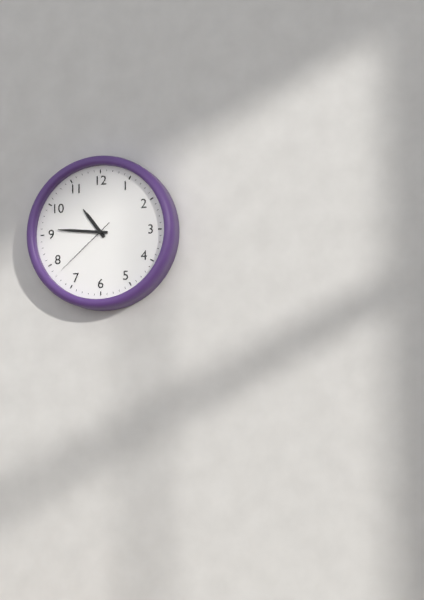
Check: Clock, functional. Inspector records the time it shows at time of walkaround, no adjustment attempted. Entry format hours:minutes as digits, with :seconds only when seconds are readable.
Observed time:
10:46:38
